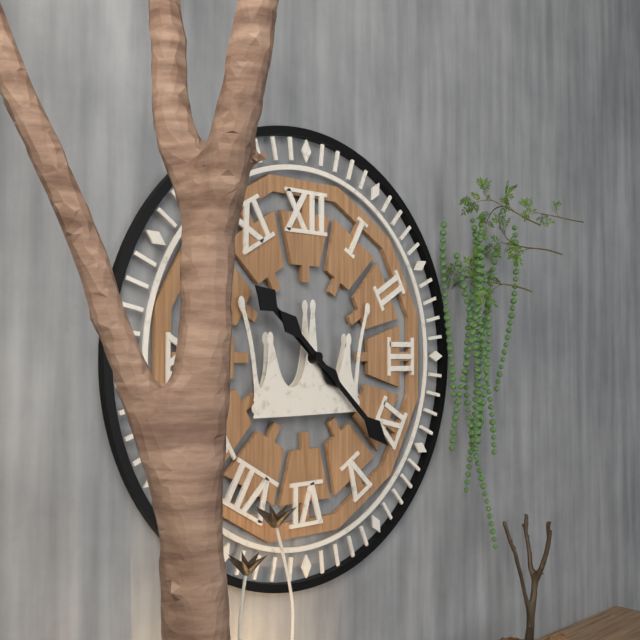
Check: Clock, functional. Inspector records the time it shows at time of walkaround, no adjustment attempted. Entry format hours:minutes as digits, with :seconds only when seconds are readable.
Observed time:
10:22
